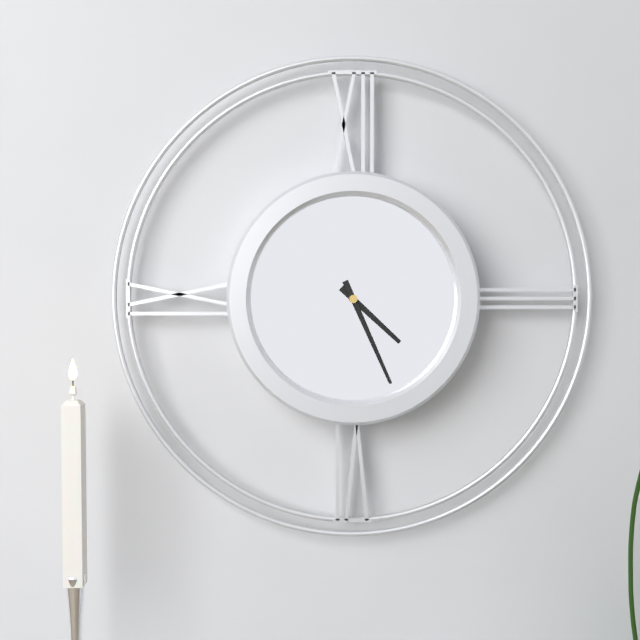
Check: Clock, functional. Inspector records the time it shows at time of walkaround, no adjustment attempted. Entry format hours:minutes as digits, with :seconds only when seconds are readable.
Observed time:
4:26
